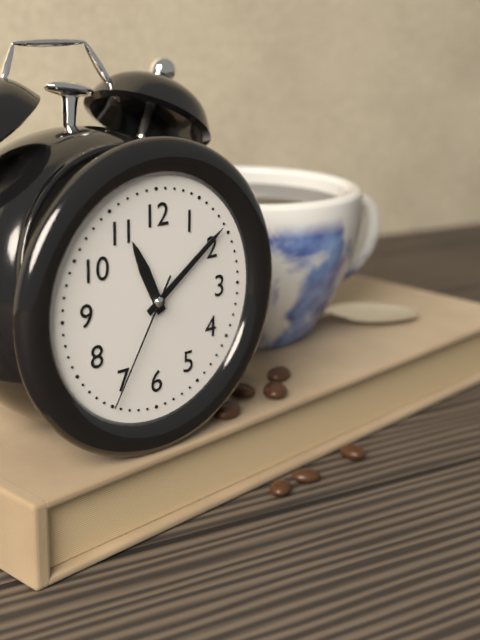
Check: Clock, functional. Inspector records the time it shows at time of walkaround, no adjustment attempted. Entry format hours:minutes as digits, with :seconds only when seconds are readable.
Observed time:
11:09:35
